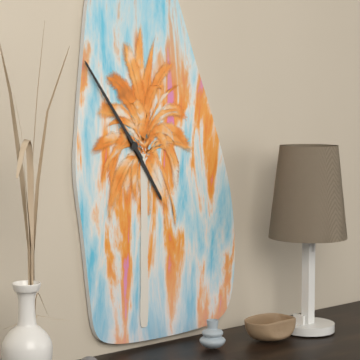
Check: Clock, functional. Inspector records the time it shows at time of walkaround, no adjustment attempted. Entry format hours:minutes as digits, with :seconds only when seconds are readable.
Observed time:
4:54
